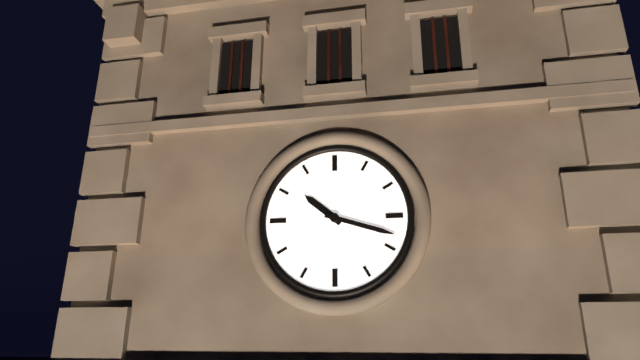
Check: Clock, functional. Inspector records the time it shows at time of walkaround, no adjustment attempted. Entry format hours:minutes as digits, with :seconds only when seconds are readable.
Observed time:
10:18
